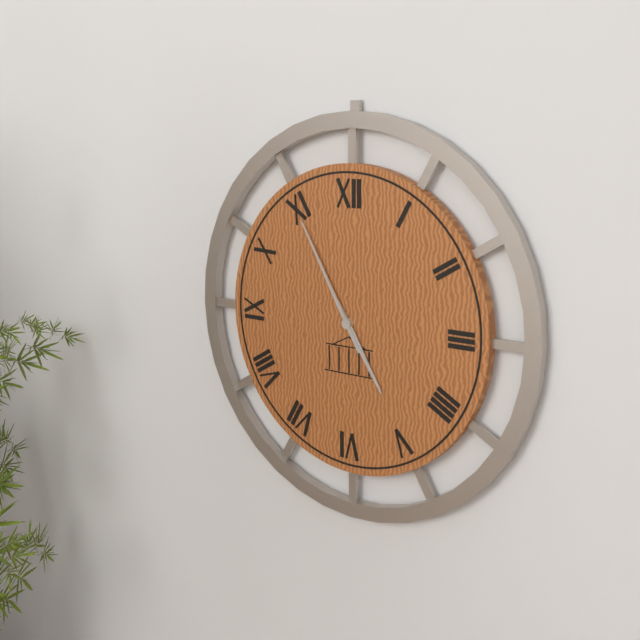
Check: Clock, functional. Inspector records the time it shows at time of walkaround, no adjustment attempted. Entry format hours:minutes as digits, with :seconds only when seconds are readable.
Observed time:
4:55
